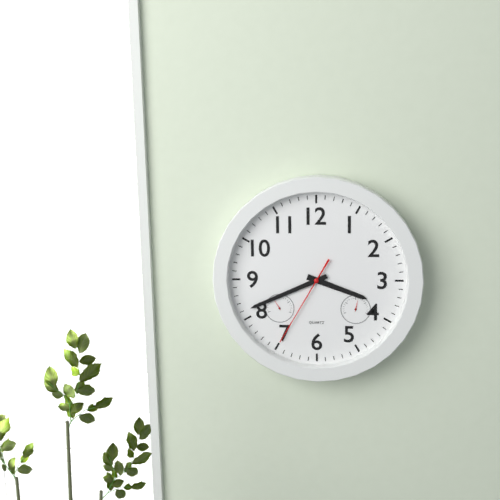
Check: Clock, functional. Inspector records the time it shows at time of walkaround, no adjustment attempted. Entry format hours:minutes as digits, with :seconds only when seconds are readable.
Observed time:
3:41:35
